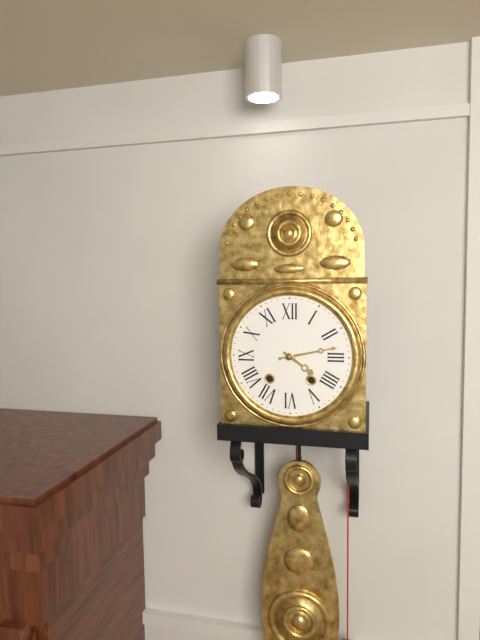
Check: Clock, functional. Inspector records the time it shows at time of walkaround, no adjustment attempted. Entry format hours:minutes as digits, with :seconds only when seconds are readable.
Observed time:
4:13
